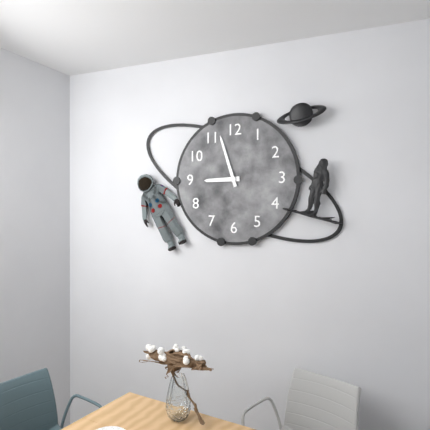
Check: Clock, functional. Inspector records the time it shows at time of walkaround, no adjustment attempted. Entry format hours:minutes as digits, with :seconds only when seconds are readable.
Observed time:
8:57
